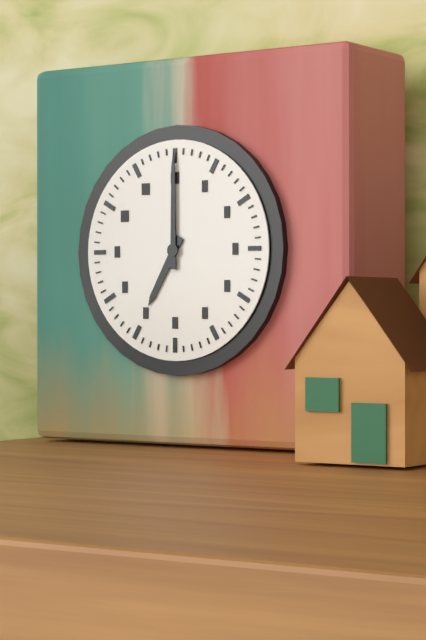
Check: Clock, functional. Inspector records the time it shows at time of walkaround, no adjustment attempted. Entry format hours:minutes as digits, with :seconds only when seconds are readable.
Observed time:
7:00
